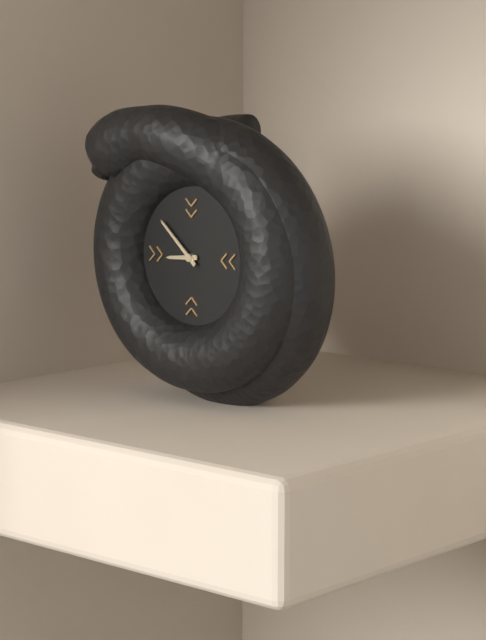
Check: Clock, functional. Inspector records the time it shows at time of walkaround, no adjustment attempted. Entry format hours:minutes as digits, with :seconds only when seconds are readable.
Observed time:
8:52
